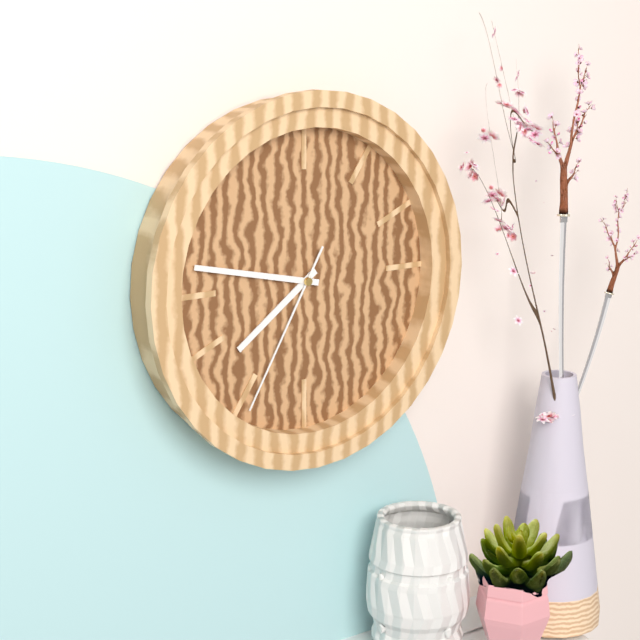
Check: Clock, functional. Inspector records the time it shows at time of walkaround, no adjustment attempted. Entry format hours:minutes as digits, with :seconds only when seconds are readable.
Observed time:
7:47:35
